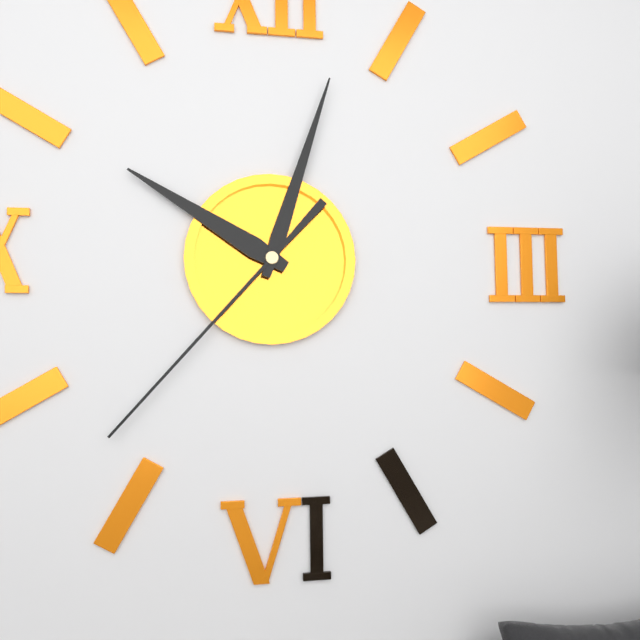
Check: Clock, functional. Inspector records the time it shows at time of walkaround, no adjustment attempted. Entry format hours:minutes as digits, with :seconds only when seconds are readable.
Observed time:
10:03:37
